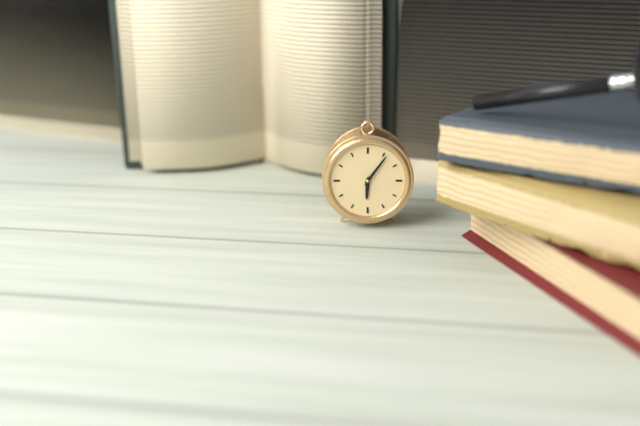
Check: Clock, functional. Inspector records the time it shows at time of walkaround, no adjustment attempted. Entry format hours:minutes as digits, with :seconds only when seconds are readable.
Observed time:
6:06
